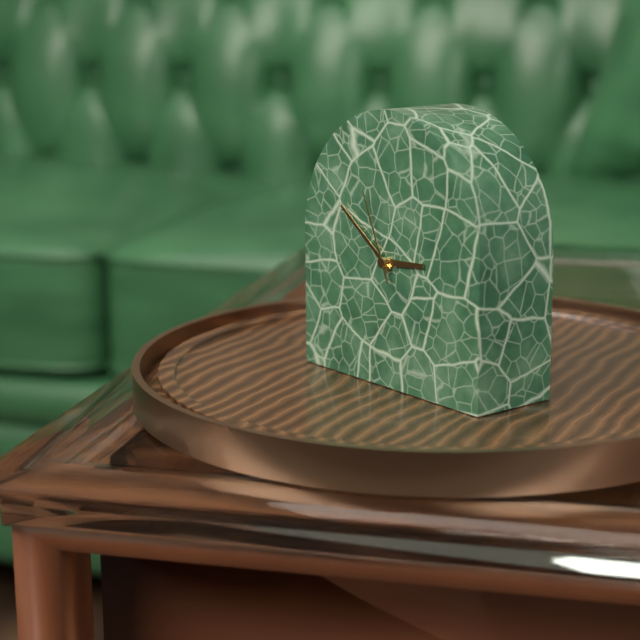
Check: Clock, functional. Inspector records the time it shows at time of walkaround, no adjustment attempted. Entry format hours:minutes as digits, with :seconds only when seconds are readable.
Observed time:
2:51:56
